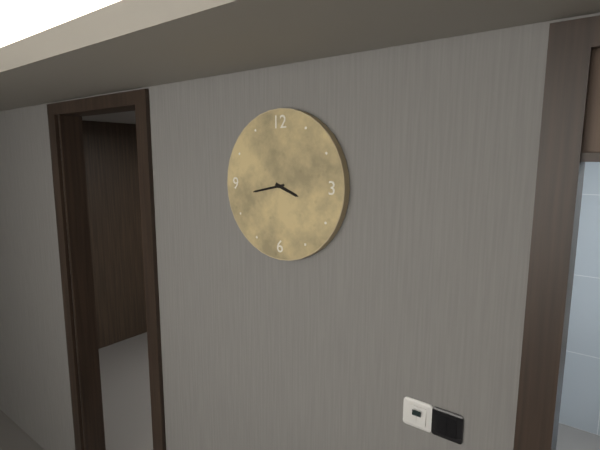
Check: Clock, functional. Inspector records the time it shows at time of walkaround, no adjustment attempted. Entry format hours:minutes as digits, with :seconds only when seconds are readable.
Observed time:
3:43
